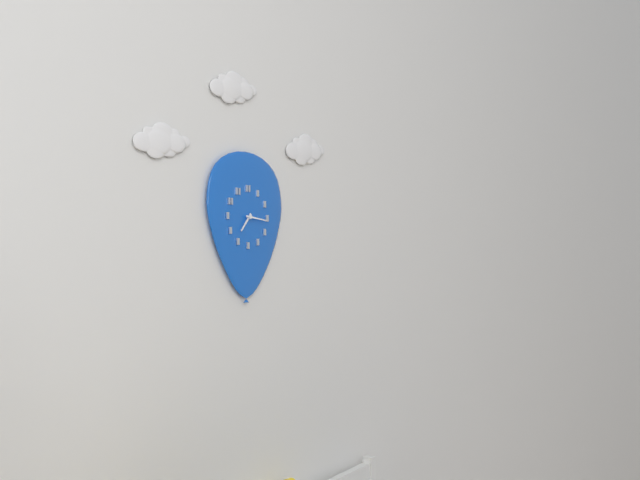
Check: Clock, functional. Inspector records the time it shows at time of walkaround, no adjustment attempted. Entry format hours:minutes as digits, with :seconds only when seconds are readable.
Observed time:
7:16
